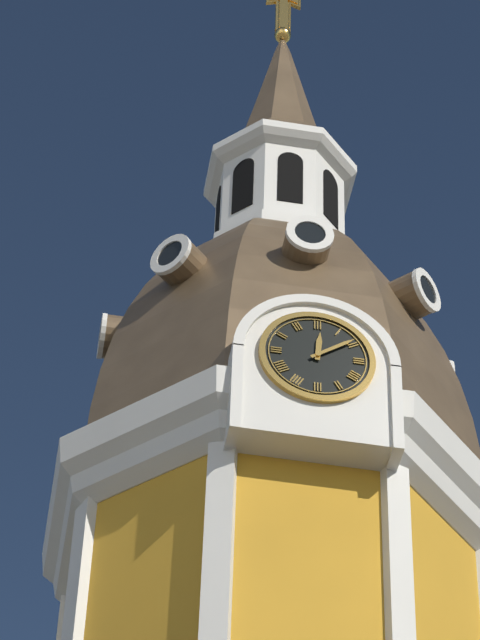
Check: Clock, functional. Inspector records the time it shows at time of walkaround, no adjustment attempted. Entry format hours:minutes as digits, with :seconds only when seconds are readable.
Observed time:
12:09
